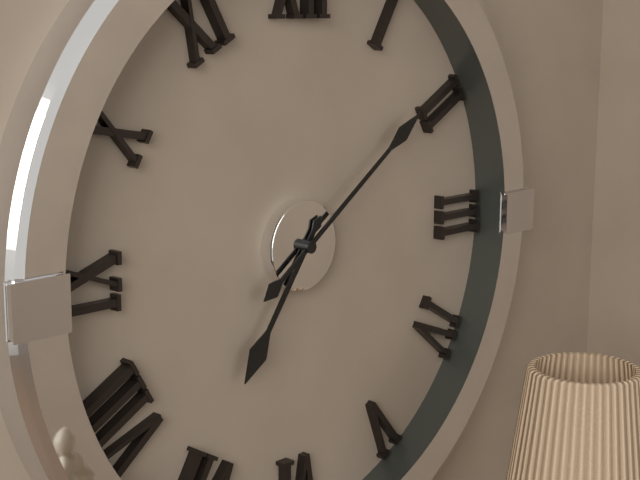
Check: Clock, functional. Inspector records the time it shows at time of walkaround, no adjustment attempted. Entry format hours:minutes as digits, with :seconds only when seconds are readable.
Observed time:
7:09
